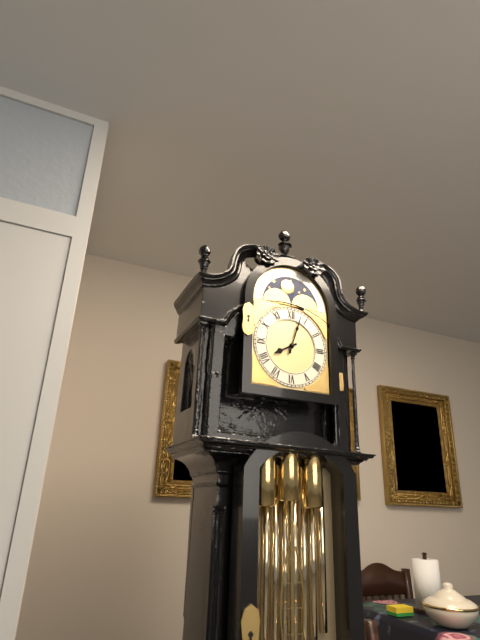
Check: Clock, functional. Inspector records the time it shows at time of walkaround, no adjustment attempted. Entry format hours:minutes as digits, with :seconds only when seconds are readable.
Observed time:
8:03
